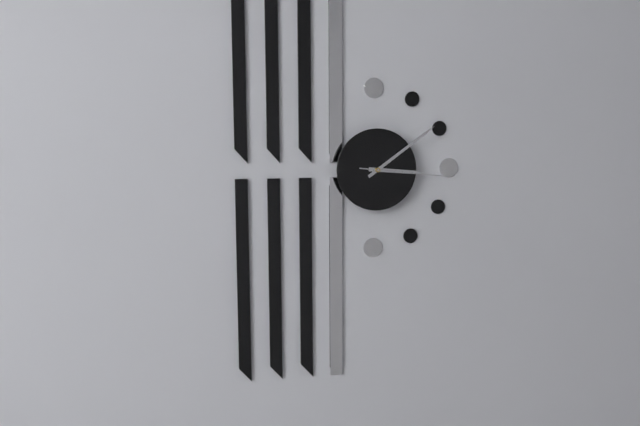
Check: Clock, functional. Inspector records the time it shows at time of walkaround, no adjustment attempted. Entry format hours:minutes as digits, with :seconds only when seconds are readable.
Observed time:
3:09:16
